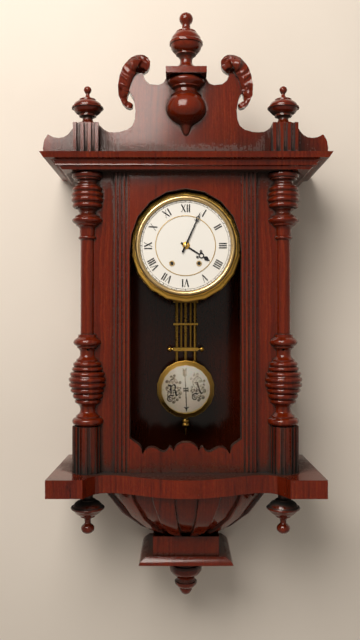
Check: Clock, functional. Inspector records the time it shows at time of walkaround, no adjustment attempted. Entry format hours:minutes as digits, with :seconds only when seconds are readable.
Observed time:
4:04
